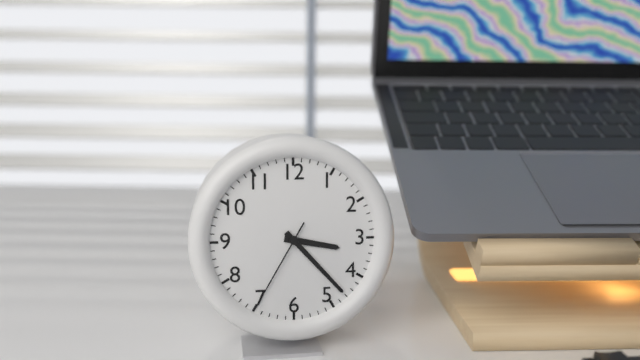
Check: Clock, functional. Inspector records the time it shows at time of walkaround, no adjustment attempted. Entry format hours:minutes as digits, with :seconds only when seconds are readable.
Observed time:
3:23:35
